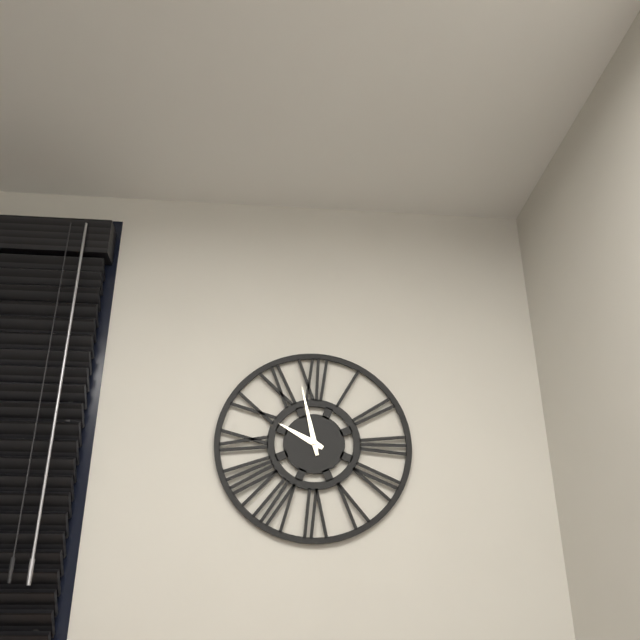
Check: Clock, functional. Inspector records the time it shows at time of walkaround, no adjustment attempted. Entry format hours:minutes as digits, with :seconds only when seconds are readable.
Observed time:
9:58
